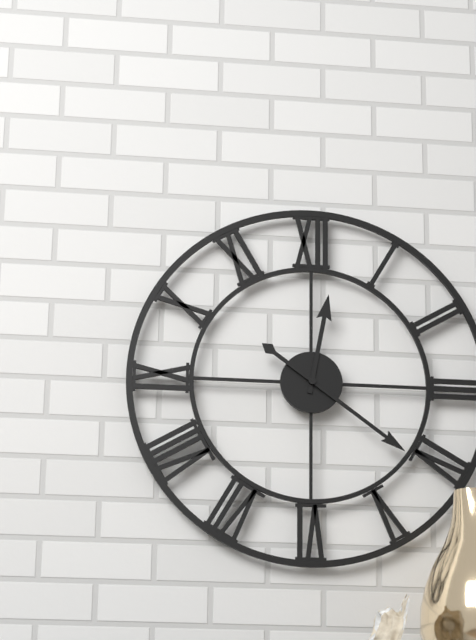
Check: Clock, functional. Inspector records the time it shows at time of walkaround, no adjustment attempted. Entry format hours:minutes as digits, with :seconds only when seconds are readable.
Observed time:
12:21
